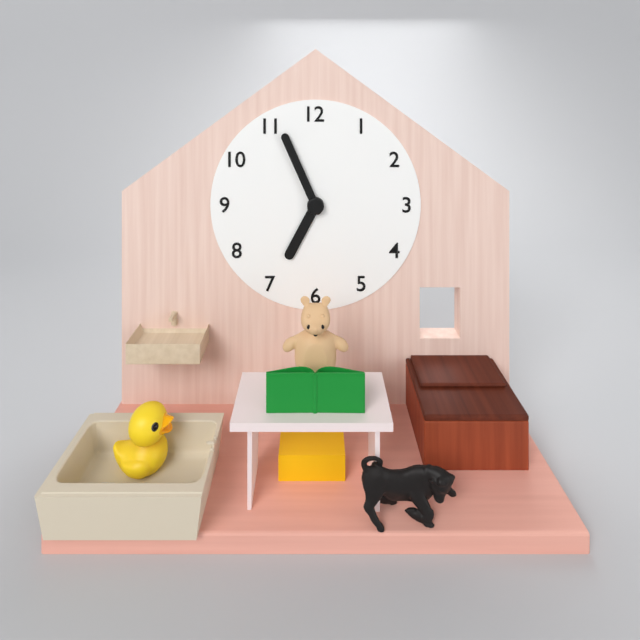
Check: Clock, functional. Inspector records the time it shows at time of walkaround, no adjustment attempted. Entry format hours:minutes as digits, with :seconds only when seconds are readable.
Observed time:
6:56
